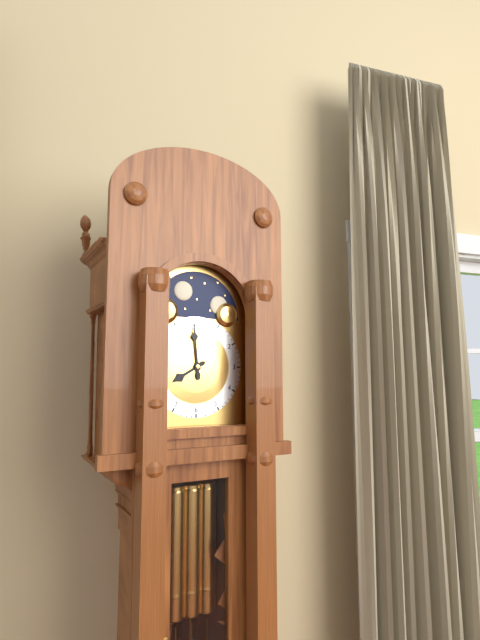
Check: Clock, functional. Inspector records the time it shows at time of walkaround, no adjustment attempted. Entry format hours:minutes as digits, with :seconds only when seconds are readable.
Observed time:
7:59
